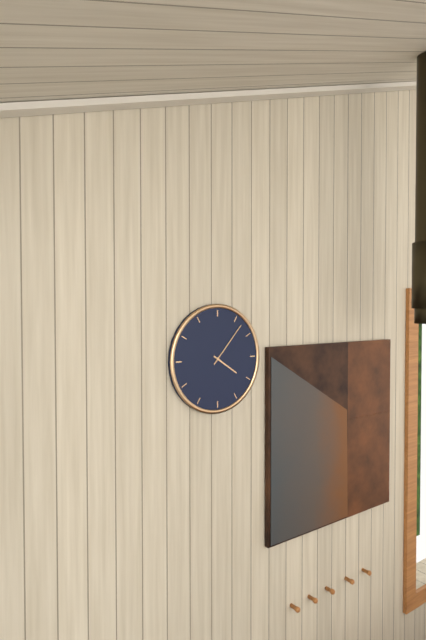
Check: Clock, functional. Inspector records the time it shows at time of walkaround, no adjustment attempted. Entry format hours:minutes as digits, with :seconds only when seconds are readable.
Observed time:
4:07
